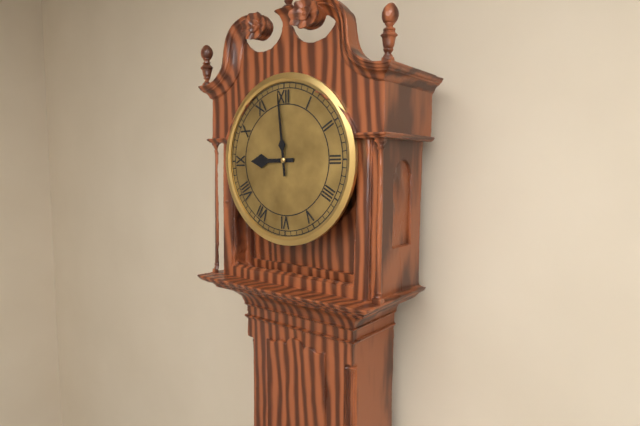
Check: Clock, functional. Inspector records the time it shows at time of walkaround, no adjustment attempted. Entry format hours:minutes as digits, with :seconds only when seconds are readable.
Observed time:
8:59
